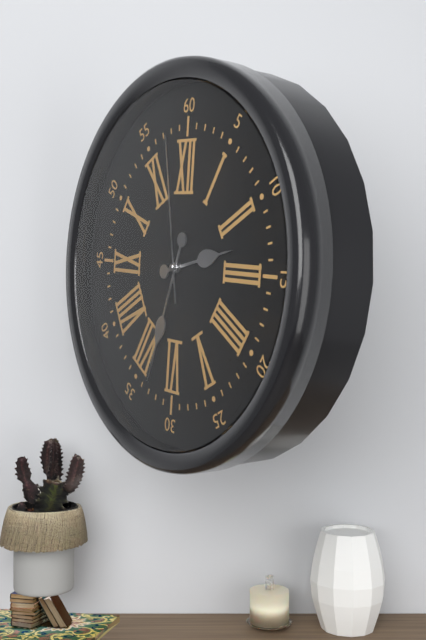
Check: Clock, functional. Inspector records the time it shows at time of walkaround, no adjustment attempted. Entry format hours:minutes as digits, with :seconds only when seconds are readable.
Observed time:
2:33:58
